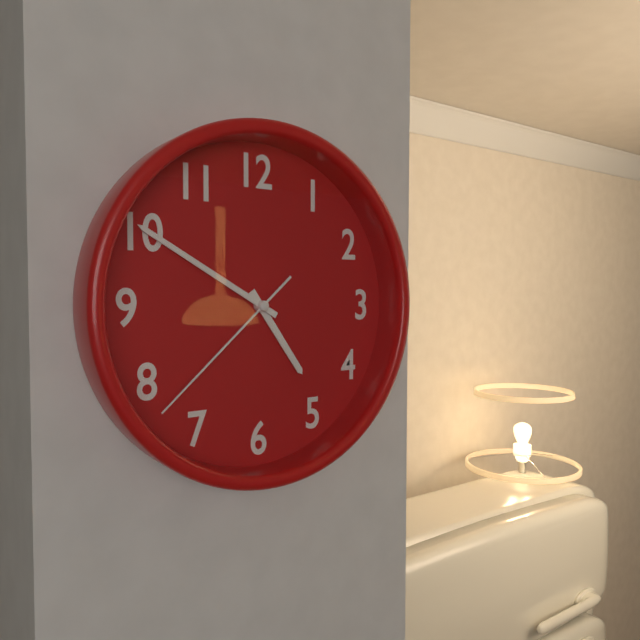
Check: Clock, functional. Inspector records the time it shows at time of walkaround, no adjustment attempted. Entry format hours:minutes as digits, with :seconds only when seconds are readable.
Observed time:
4:50:38
